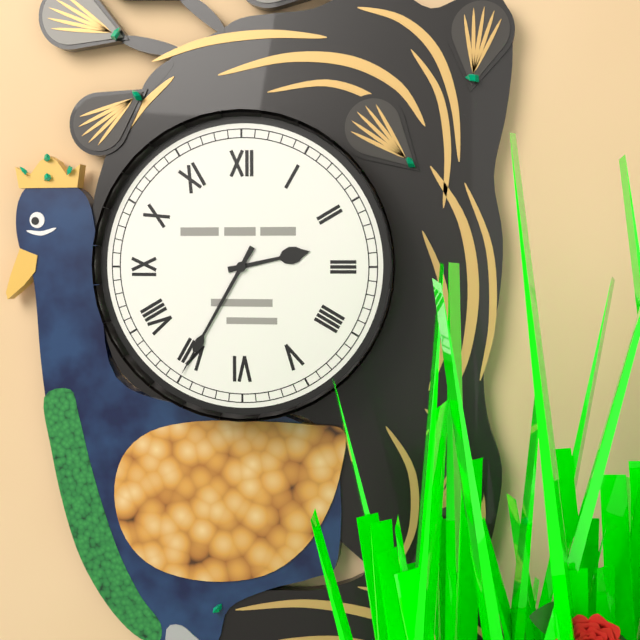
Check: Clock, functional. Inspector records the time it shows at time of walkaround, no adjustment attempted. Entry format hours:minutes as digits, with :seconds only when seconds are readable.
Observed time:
2:35
